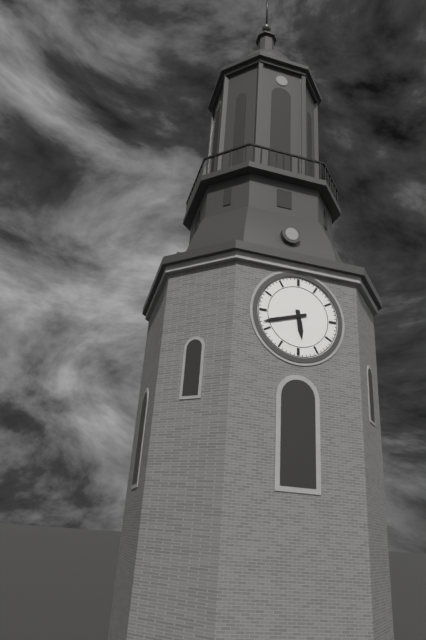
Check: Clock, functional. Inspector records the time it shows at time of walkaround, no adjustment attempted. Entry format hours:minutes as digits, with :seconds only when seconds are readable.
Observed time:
5:42
